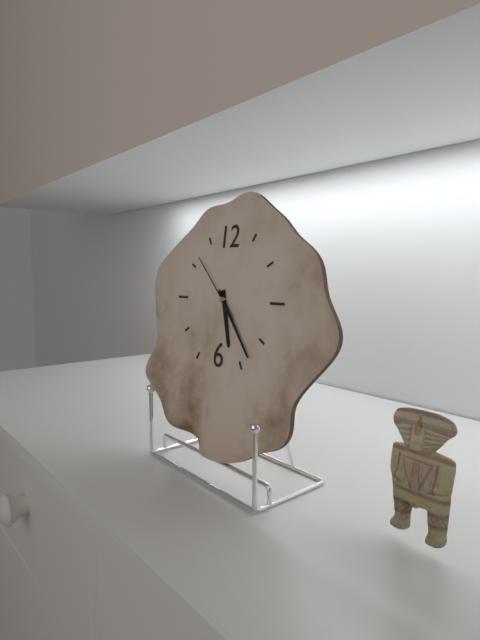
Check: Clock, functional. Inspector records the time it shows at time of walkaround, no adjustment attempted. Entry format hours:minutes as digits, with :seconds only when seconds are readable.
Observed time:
5:23:52
